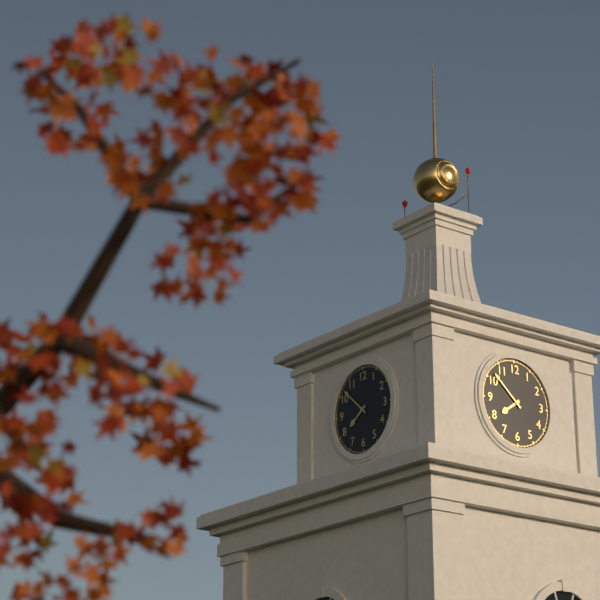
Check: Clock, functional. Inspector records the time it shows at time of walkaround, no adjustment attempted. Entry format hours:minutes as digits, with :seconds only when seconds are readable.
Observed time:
7:52
